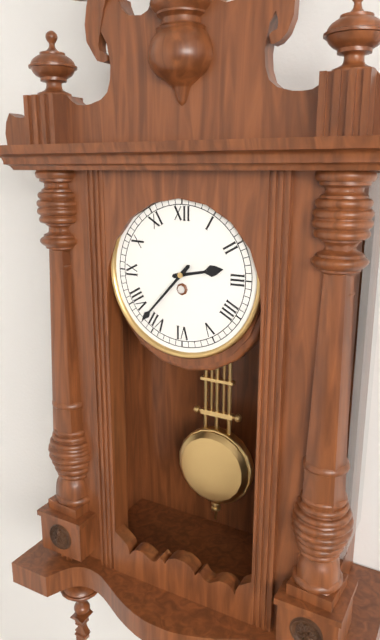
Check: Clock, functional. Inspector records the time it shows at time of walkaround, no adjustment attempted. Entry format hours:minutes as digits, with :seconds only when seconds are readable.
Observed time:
2:37
